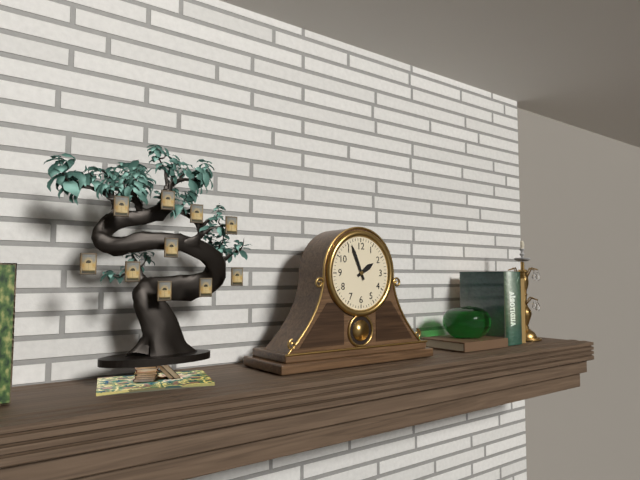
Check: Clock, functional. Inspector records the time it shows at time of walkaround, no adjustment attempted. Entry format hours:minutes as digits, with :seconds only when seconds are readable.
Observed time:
1:56
